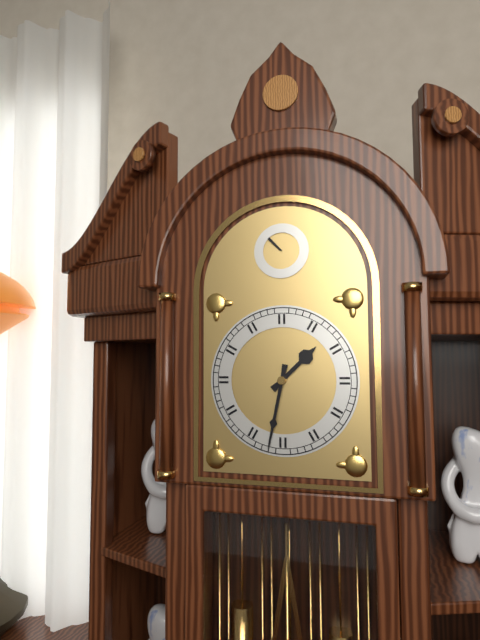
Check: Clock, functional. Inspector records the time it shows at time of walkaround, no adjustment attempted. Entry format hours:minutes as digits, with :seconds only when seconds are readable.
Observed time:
1:32
